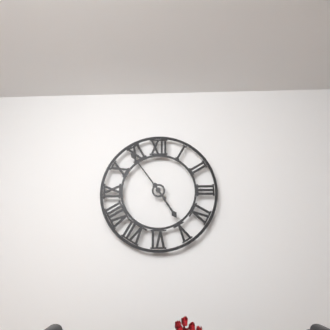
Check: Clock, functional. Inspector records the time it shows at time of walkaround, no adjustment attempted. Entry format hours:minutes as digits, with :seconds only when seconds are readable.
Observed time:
4:54
